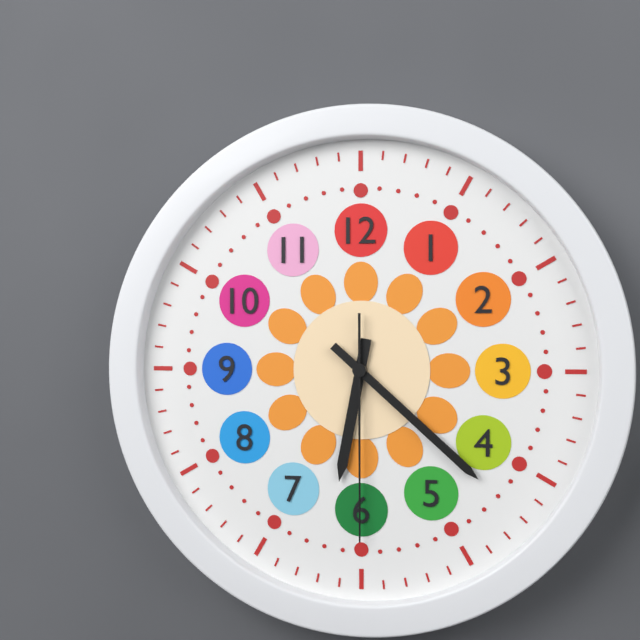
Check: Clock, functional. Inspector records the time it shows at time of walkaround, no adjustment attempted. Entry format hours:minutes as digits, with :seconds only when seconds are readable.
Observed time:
6:22:30
